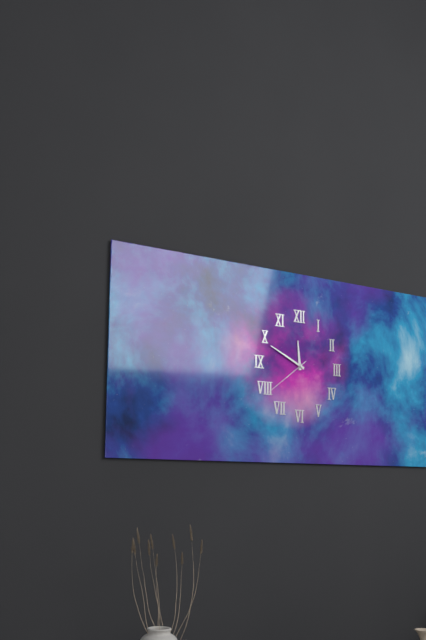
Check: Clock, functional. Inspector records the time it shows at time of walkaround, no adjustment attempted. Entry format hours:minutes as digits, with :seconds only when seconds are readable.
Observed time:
11:49:39
